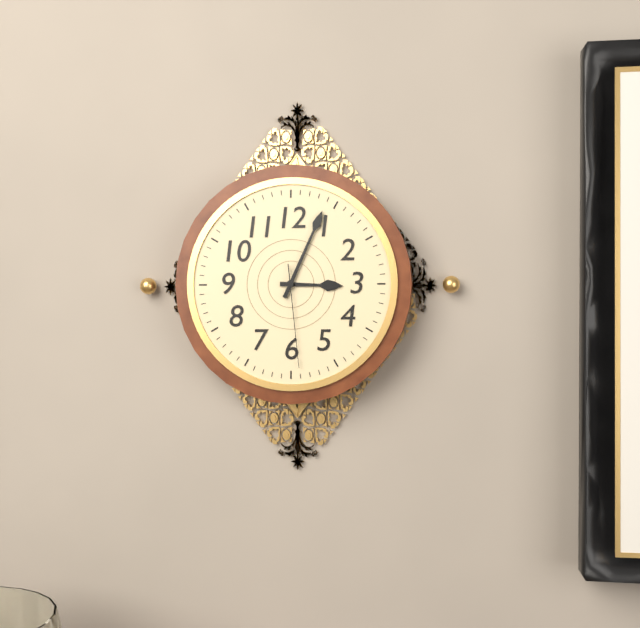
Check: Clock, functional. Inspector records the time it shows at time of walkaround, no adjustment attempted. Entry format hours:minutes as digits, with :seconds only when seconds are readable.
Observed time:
3:04:29
